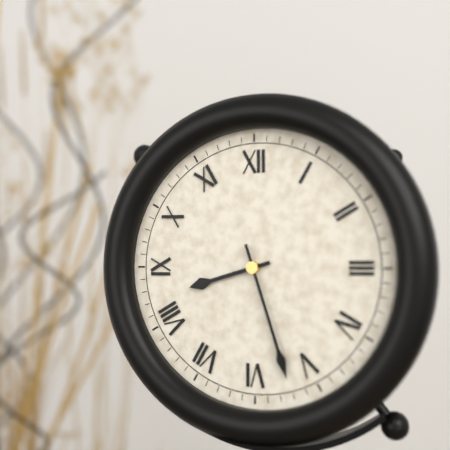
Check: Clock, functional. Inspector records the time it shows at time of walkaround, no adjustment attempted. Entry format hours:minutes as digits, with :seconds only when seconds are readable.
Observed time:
8:27
